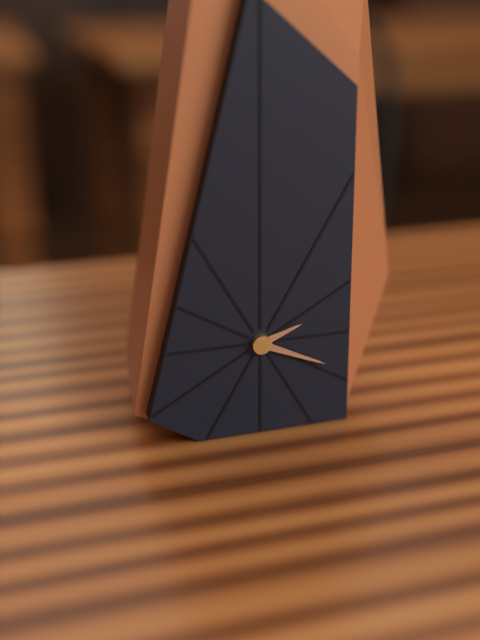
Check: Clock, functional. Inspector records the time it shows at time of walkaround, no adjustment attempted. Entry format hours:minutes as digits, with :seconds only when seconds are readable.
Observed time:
2:19
